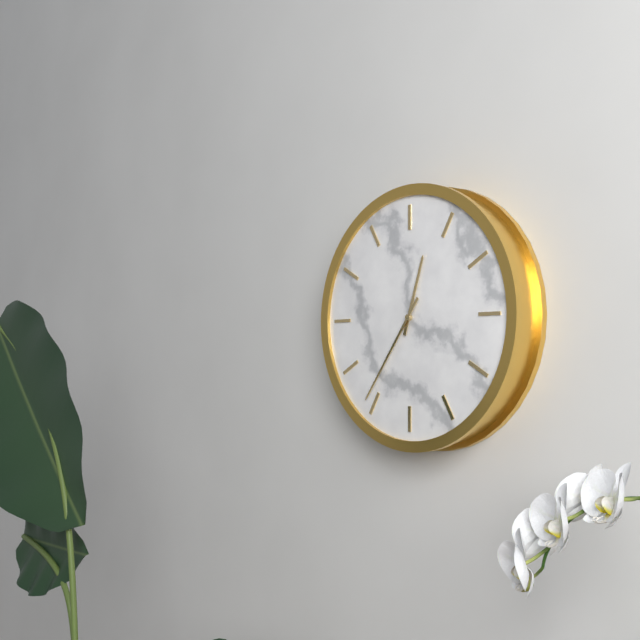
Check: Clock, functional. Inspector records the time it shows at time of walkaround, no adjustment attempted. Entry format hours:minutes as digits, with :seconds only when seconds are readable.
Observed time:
12:36
